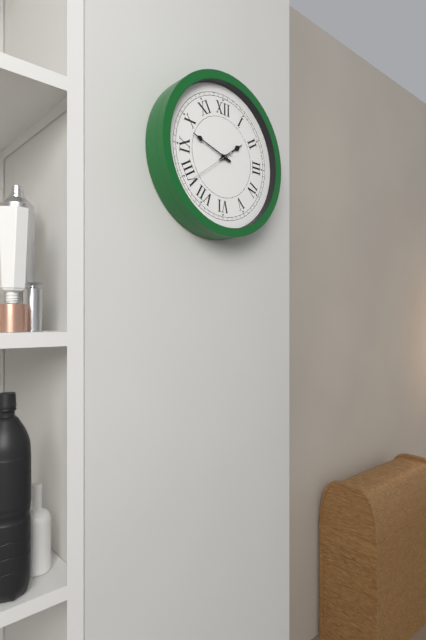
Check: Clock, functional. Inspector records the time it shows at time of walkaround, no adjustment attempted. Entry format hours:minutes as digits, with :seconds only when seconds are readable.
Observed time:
1:48
